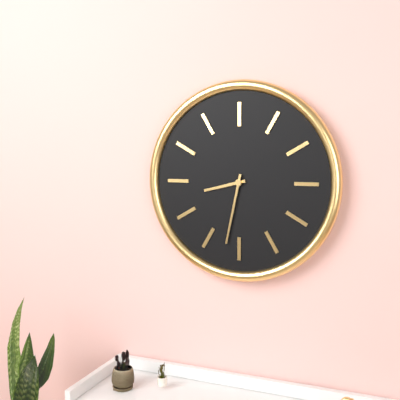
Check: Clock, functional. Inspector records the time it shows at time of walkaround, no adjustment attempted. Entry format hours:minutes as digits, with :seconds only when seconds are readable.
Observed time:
8:32
